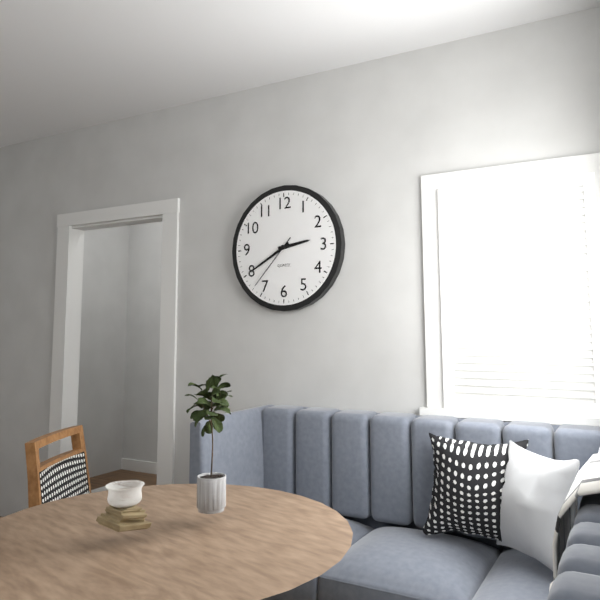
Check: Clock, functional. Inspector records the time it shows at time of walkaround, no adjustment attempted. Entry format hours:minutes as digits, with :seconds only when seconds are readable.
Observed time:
2:40:37
